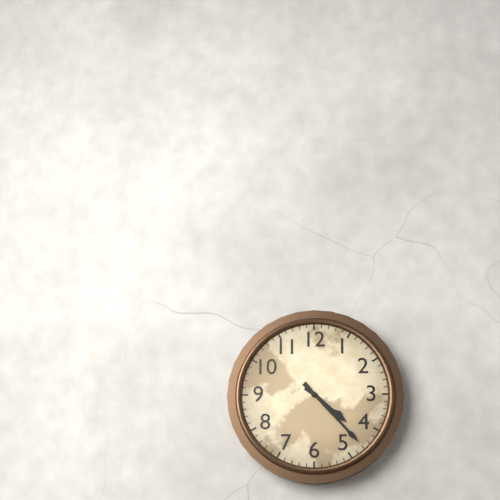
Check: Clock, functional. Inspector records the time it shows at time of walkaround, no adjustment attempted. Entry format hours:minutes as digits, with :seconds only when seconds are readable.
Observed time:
4:23
